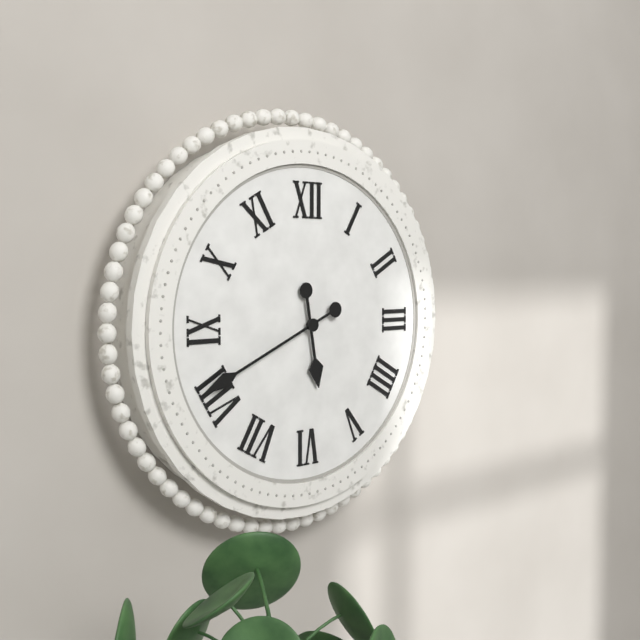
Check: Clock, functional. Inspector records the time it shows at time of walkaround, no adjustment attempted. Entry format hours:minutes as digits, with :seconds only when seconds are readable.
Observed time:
5:41
